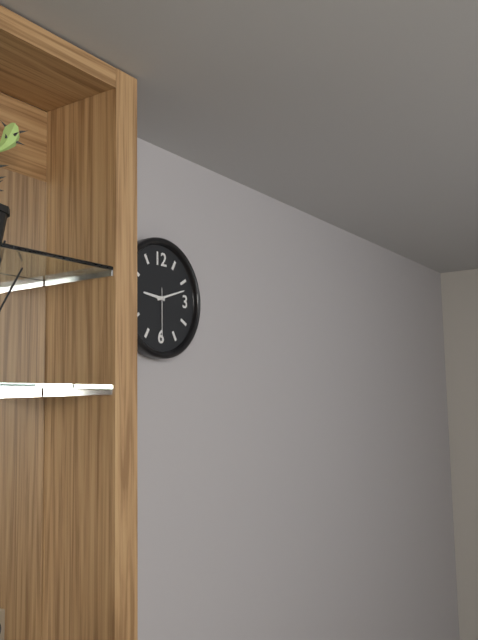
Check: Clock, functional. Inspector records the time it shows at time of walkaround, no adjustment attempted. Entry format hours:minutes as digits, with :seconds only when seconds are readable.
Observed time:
9:12:30
